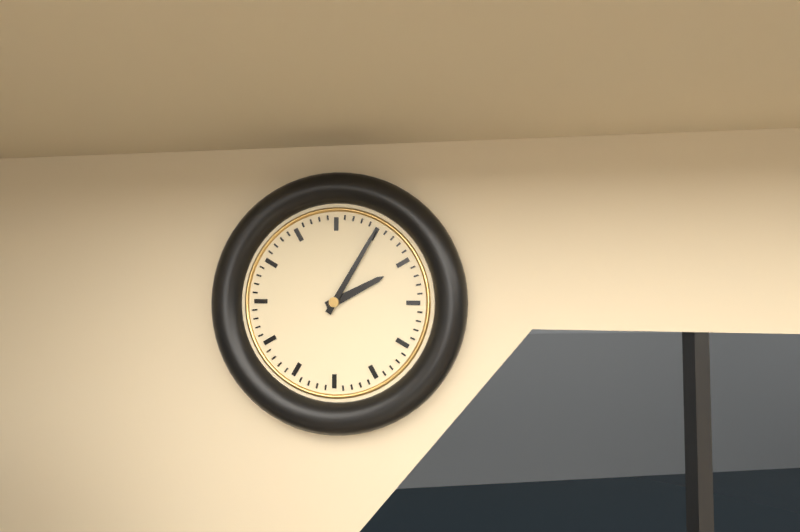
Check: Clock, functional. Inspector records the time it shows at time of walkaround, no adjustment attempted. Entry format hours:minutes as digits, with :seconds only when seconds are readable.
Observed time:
2:05
